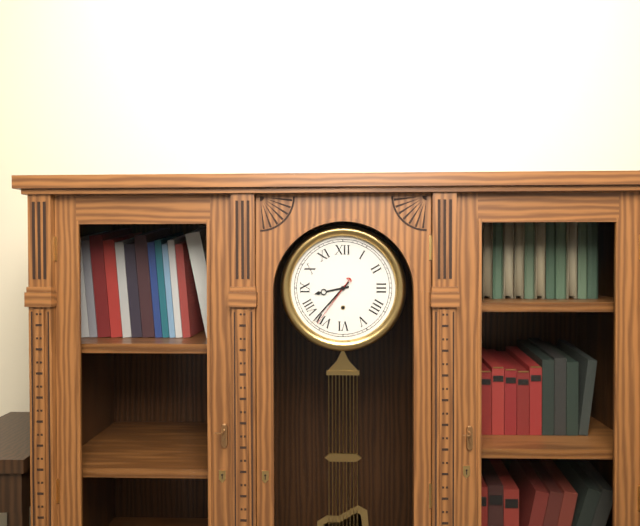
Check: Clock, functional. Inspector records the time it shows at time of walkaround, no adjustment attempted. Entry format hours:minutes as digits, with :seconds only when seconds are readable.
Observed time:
8:37:36
